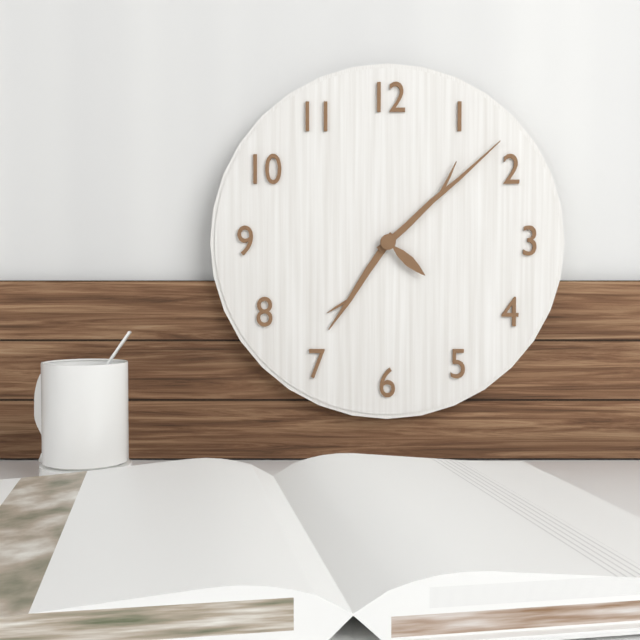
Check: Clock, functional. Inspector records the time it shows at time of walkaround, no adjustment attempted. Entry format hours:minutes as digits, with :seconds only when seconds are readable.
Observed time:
7:08:22
